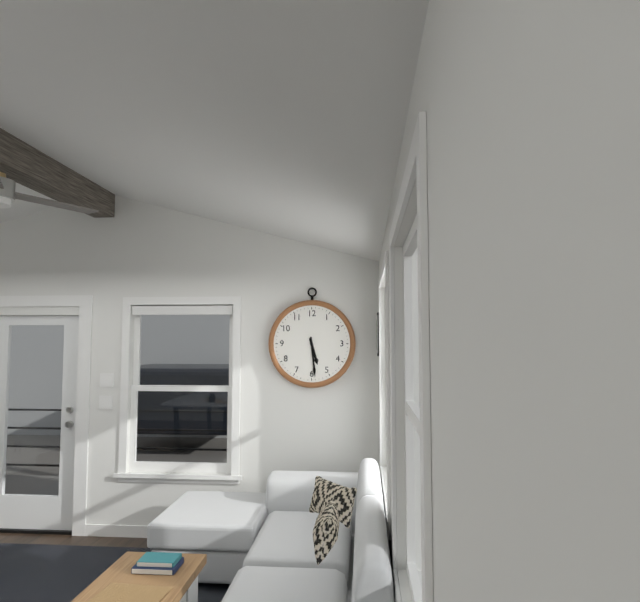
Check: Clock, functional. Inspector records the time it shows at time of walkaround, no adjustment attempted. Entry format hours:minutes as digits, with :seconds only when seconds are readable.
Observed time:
5:29
